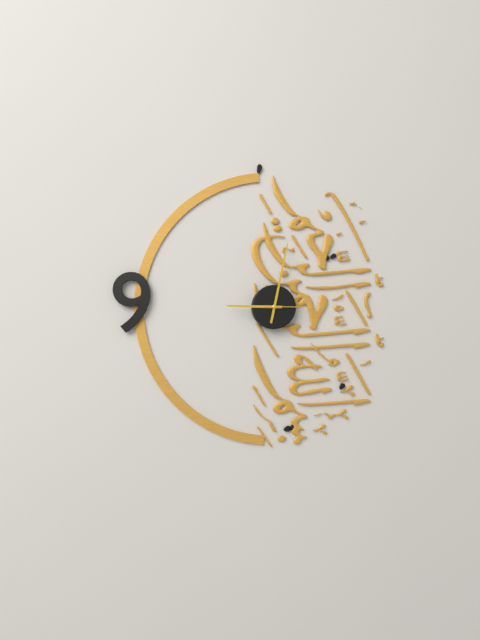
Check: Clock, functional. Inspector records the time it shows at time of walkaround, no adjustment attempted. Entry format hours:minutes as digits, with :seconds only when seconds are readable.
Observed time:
9:02:15
